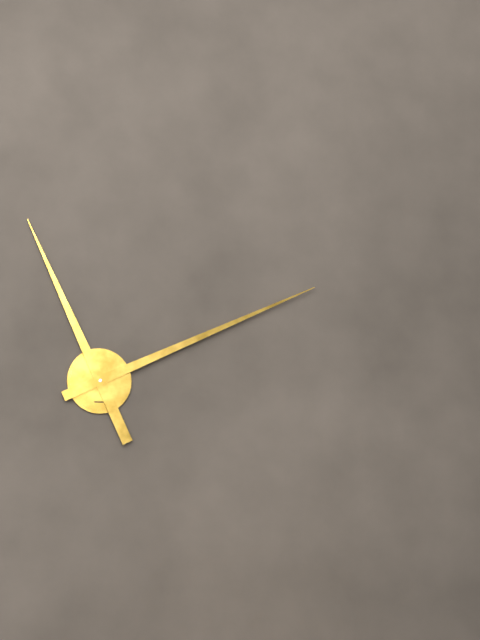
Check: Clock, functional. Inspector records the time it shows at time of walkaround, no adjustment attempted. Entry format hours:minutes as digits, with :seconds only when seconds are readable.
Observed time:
11:11
